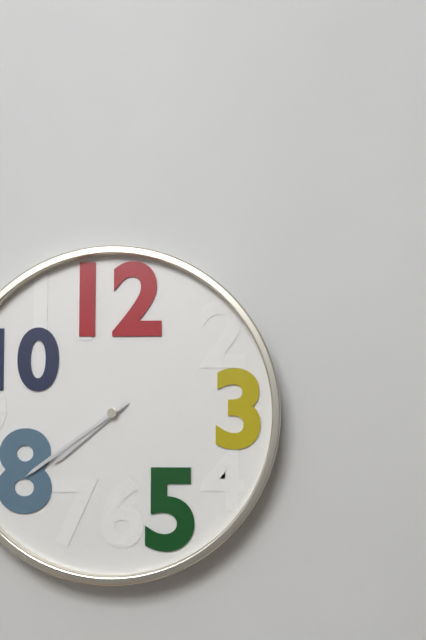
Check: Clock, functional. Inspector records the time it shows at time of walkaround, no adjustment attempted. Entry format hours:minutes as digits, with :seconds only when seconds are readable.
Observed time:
7:39
